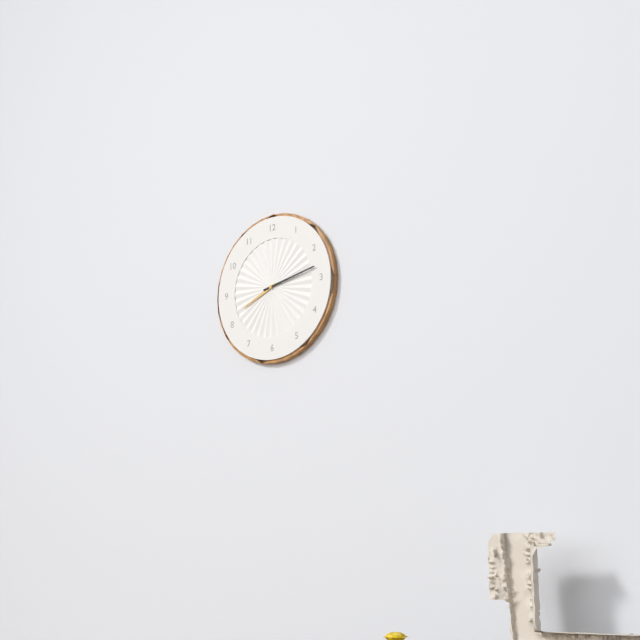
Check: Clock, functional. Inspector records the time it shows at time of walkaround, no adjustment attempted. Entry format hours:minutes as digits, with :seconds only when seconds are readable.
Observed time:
8:13
